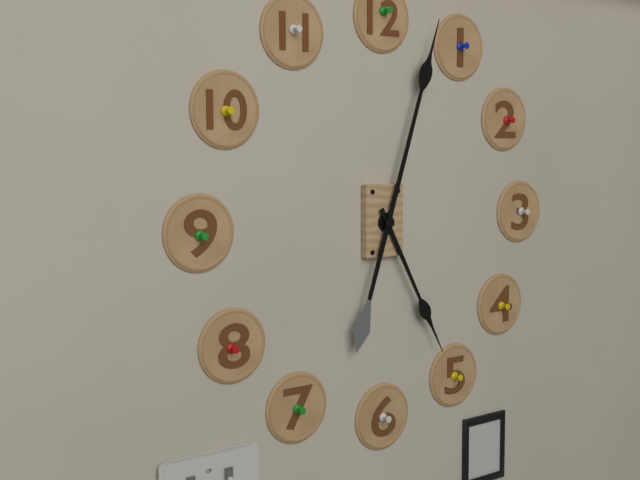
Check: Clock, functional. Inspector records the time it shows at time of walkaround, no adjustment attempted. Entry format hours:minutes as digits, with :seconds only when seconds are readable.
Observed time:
5:03
